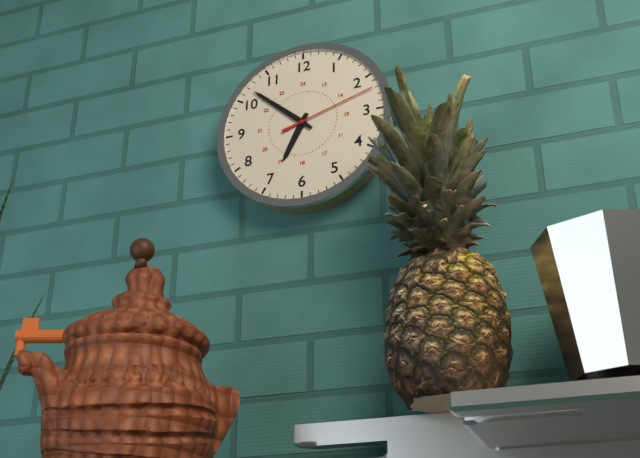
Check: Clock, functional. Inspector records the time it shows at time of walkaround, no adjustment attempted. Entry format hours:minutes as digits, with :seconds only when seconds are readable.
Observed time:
6:52:12
